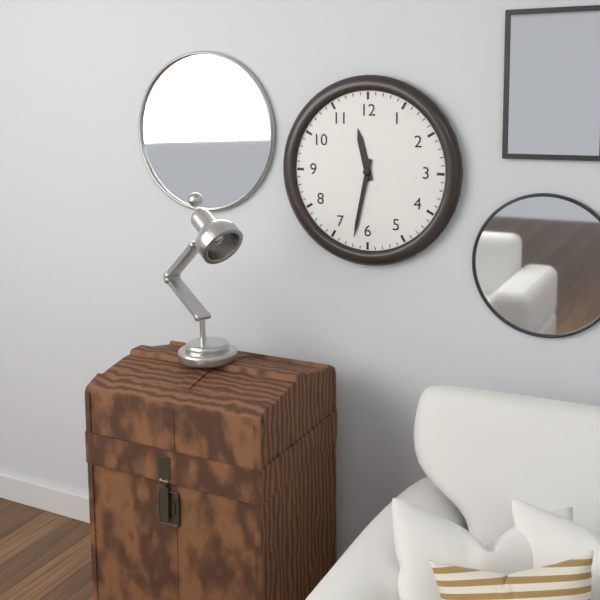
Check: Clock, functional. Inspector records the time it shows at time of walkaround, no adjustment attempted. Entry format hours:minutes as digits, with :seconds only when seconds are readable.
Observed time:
11:32
